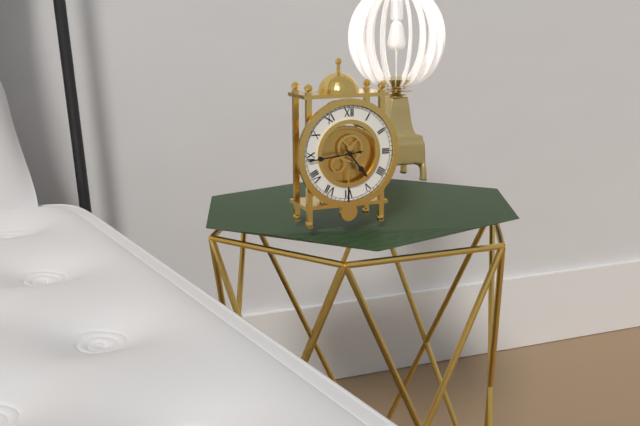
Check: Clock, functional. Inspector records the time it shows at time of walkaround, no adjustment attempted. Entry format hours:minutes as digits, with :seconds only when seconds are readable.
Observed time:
4:44
